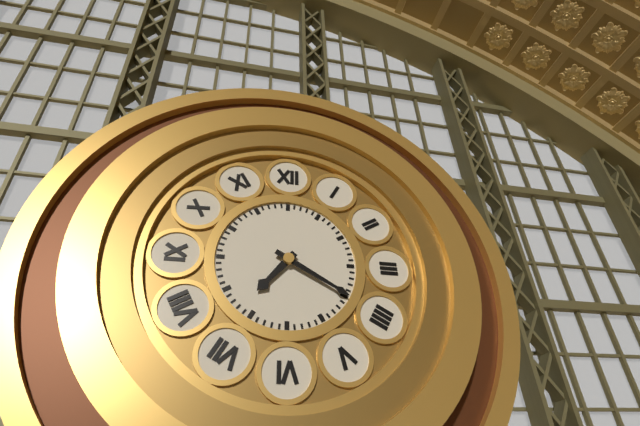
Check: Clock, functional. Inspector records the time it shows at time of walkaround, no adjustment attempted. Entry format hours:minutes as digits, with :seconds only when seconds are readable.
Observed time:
7:20
